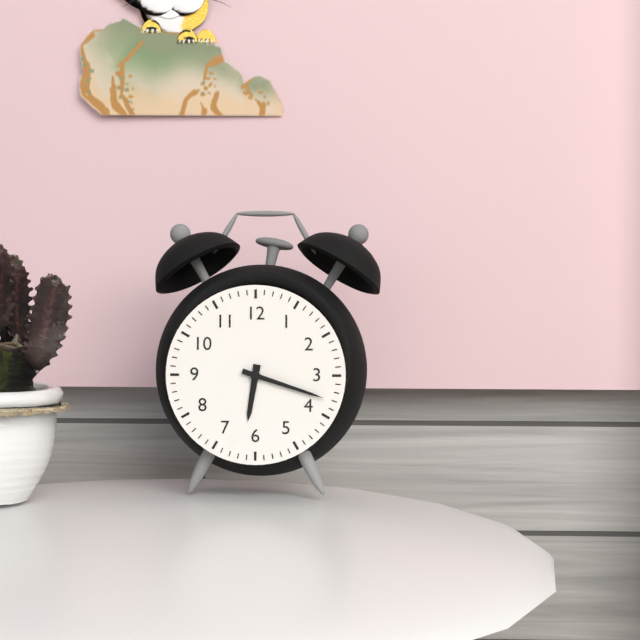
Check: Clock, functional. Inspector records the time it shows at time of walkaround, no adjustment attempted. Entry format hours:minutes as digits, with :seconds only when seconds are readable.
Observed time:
6:18
